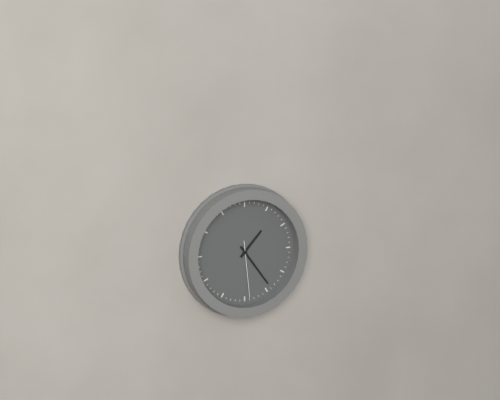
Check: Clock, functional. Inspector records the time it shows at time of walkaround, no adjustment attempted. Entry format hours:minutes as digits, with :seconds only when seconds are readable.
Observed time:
1:24:29
